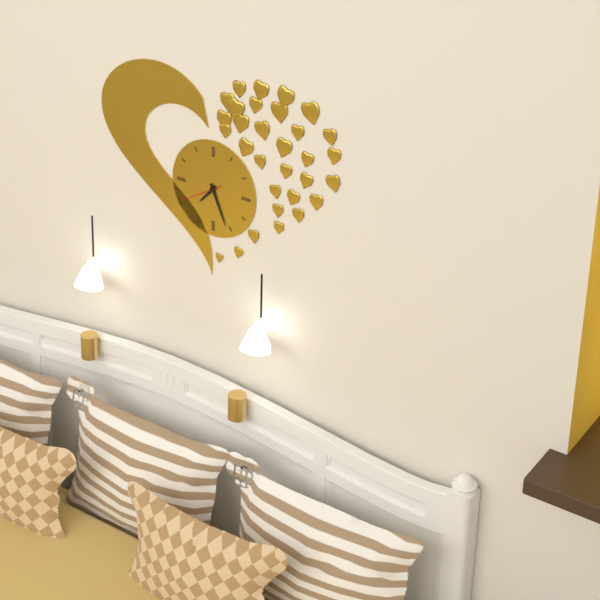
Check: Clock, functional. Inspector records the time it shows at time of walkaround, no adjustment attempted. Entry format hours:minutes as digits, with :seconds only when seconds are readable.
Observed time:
7:26
